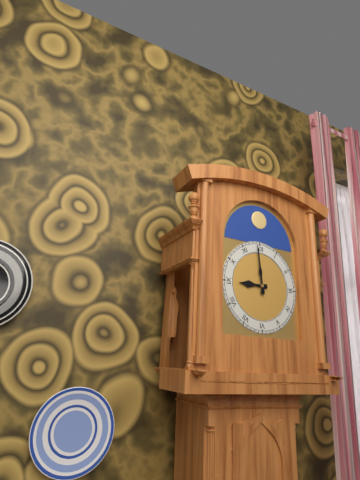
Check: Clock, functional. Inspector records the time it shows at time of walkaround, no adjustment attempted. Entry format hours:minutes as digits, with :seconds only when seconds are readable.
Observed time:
8:59
